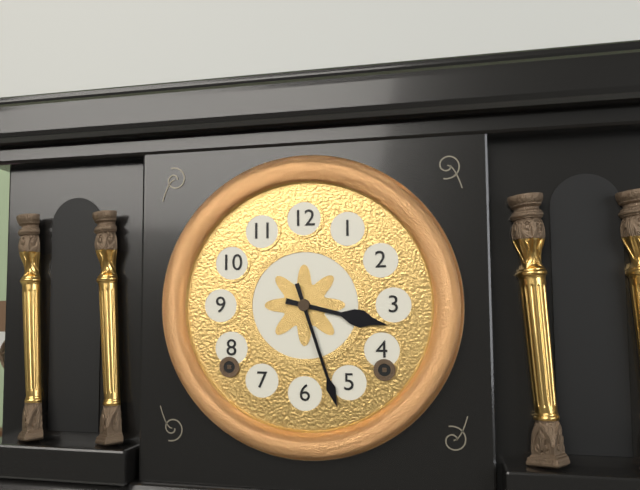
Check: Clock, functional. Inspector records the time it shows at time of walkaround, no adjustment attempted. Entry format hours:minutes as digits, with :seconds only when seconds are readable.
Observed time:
3:27
